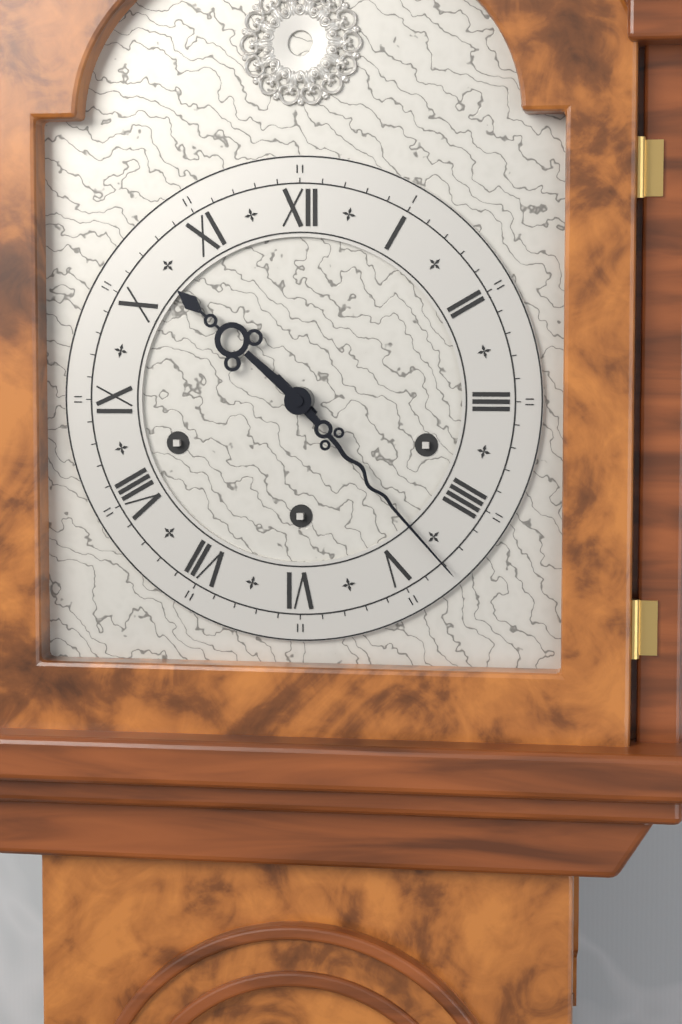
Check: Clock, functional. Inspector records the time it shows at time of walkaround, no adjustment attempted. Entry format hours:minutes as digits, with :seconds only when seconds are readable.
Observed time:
10:23
